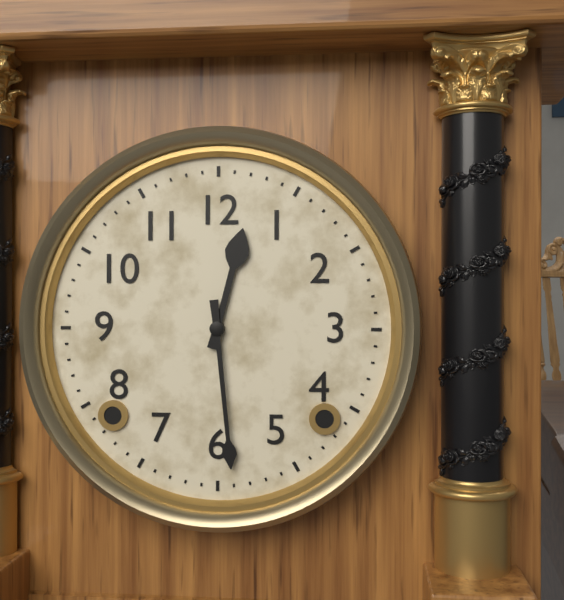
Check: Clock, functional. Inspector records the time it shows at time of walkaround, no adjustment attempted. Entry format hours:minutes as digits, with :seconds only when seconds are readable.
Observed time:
12:29
